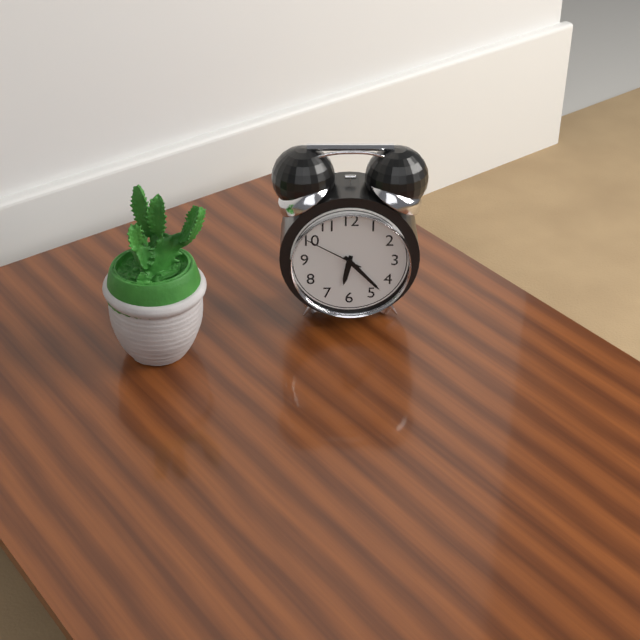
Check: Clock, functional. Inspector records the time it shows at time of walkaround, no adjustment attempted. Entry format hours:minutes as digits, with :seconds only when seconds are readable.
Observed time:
6:23:50
